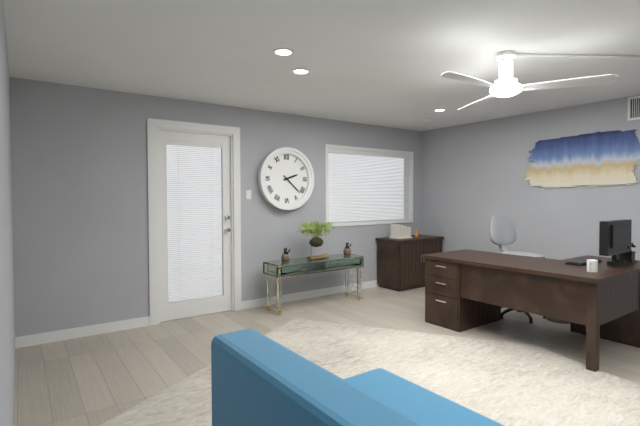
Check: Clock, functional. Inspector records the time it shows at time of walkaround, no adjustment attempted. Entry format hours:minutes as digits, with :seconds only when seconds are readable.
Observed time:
2:22
